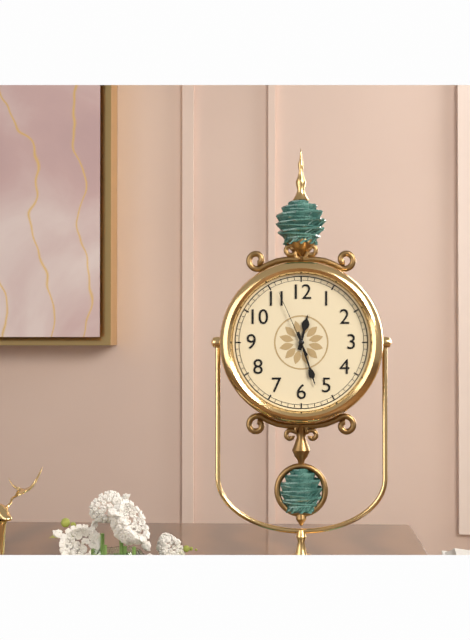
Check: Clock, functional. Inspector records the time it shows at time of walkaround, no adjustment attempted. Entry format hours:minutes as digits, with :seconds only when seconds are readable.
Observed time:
12:27:56
